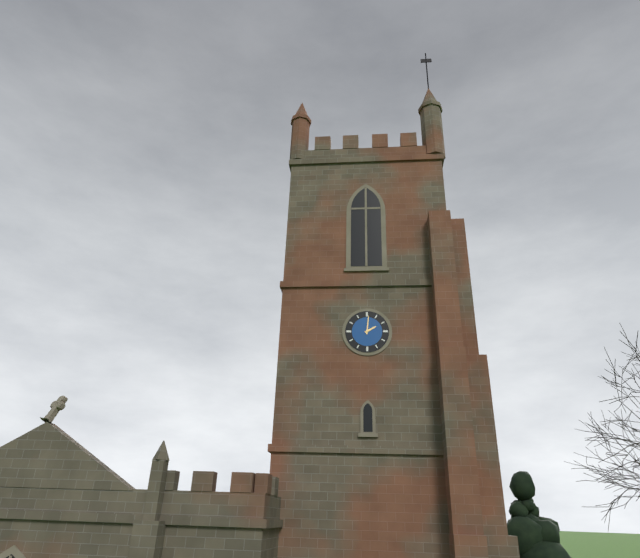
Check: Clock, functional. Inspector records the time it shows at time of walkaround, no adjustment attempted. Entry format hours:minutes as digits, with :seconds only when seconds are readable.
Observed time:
2:01
